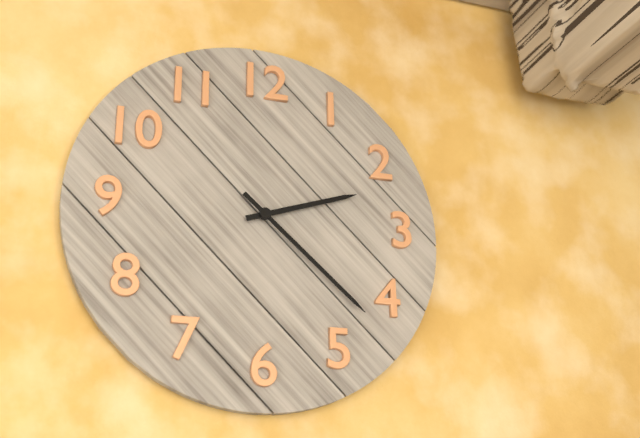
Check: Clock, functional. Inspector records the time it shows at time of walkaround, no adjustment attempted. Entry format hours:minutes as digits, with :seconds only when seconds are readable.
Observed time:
2:22
